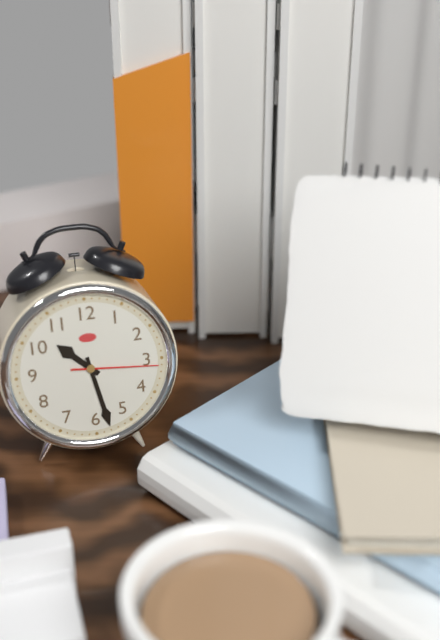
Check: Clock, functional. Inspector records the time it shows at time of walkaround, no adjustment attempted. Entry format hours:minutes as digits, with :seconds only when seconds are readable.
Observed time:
10:28:16
